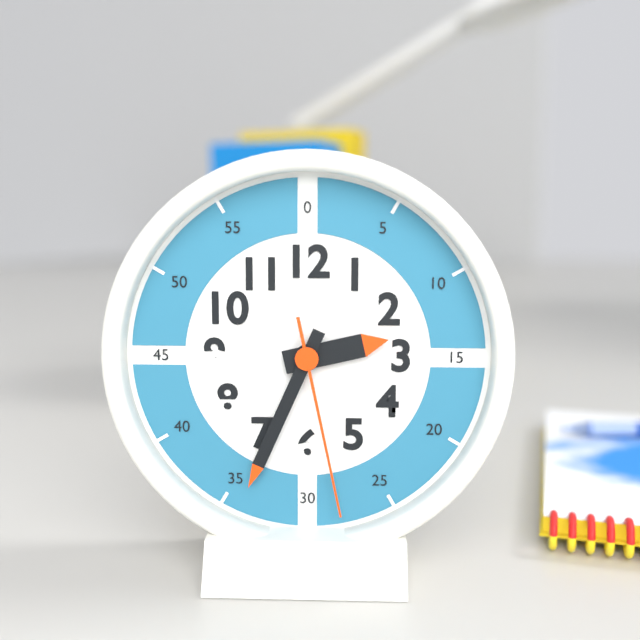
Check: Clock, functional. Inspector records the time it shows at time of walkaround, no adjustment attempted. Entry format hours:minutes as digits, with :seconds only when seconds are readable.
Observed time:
2:34:28
